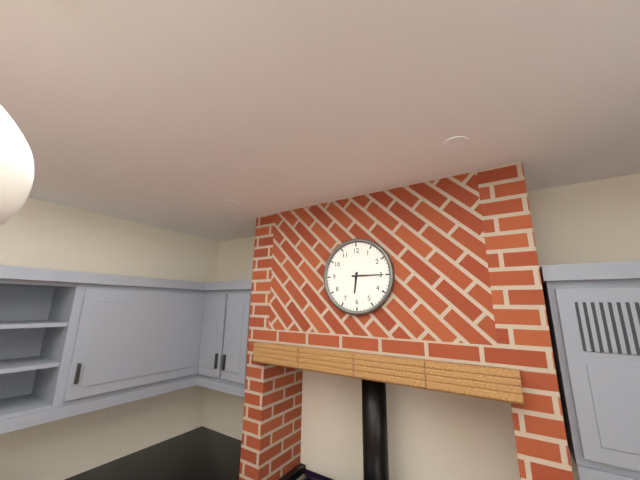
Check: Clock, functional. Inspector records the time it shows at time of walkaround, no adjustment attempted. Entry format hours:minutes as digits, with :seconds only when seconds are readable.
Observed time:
6:15
